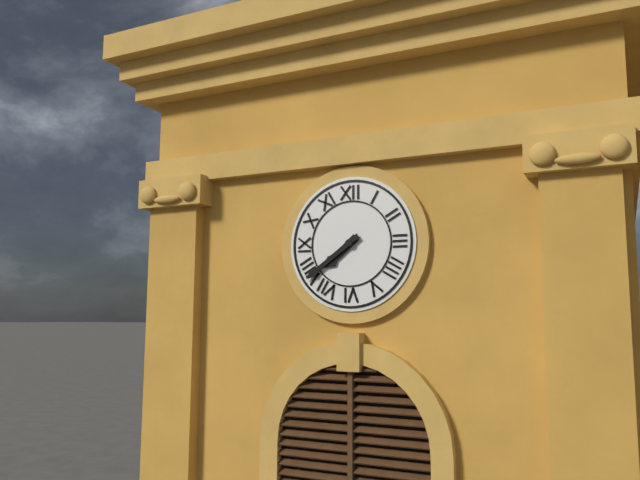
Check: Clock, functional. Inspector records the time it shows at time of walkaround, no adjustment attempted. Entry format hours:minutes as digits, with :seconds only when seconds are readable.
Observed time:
7:39
